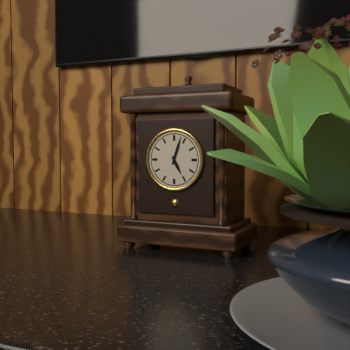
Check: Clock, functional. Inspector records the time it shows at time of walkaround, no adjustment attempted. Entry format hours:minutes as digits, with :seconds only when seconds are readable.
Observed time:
5:03
